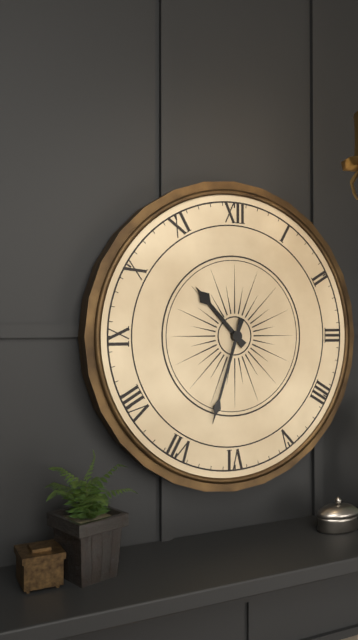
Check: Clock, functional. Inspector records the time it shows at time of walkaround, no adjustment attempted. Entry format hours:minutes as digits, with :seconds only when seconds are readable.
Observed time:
10:33
